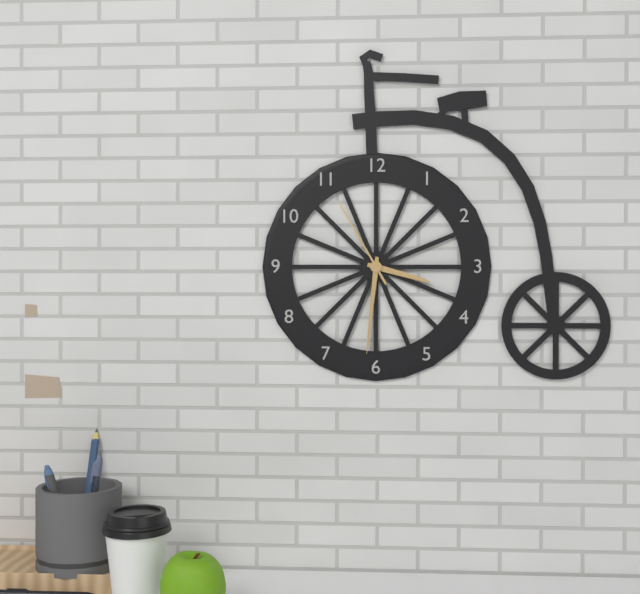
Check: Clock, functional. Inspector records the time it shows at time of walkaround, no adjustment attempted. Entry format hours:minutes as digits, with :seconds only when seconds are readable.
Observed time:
3:31:55
